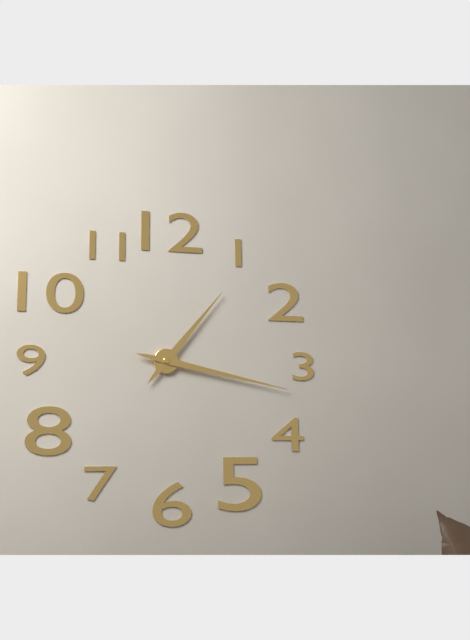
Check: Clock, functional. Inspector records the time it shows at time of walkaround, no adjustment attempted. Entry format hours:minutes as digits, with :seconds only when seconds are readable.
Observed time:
1:17
